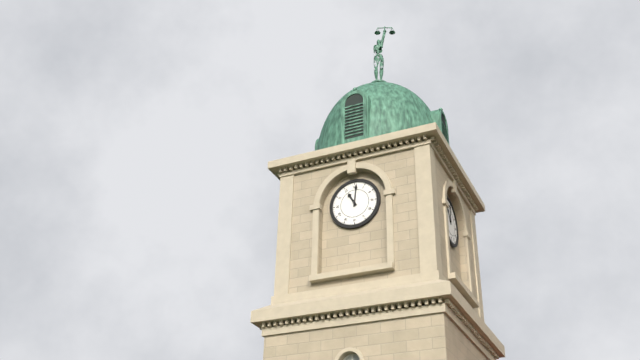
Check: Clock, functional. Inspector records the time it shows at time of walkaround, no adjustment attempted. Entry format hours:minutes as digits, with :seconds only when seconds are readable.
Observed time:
11:01
